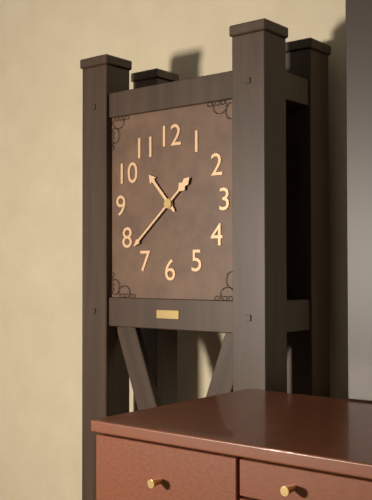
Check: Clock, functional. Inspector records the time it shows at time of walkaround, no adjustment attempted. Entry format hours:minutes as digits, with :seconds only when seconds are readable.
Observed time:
10:38
